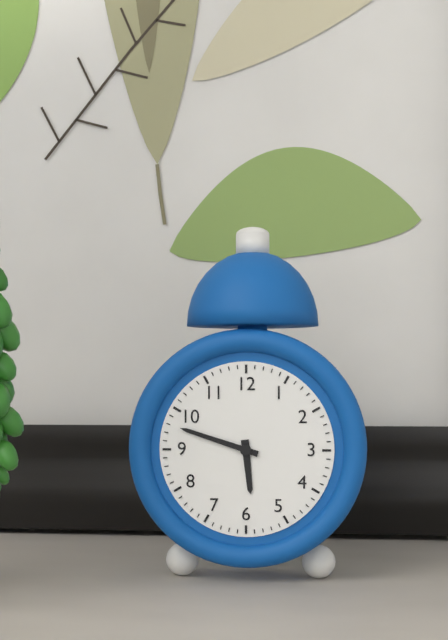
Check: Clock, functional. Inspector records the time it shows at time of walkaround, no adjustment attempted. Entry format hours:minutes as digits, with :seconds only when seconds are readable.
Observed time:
5:48
